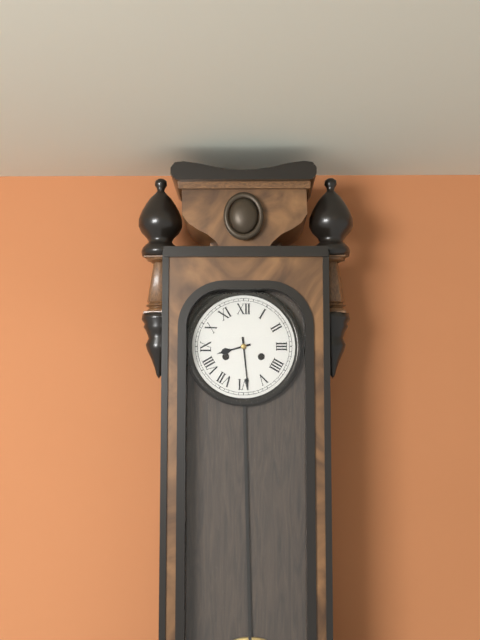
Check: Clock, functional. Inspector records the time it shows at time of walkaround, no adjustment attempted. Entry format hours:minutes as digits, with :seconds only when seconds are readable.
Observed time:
8:29
